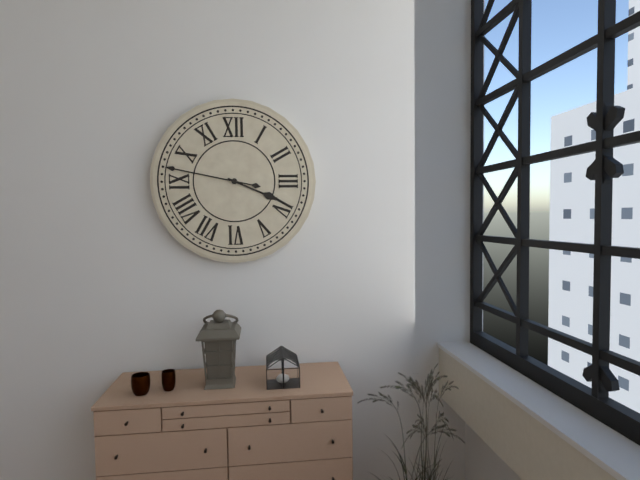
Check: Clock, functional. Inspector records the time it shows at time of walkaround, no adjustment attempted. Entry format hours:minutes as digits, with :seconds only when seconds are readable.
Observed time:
3:47
